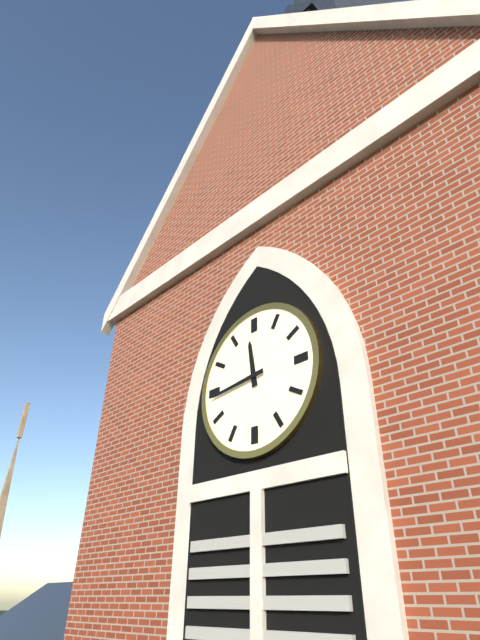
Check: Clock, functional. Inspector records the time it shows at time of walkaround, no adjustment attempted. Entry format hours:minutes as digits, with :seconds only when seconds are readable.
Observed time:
11:44
